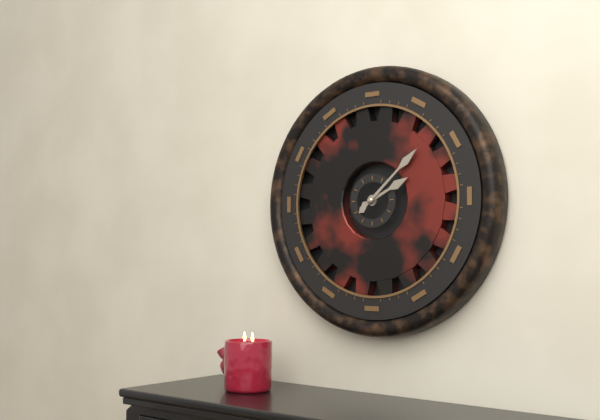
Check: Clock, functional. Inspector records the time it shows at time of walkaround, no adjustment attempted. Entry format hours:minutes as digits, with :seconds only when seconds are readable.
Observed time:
2:08
